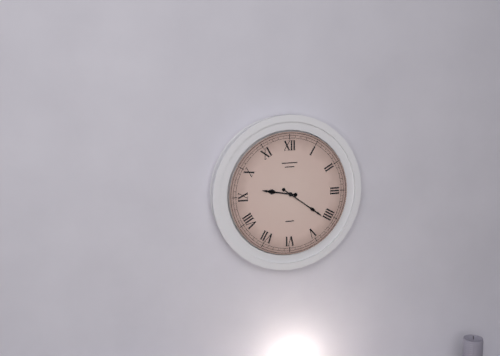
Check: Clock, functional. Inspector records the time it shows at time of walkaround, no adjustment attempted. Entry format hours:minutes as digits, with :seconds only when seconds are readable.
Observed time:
9:21
